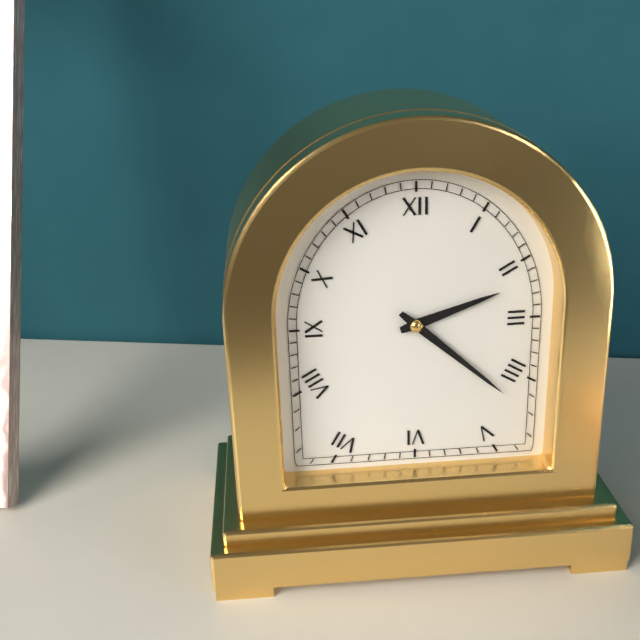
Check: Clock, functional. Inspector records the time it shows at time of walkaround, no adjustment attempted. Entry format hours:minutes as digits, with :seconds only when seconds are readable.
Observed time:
2:22
